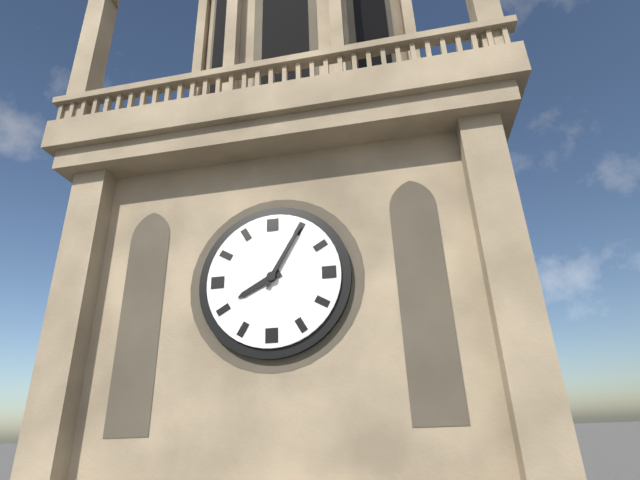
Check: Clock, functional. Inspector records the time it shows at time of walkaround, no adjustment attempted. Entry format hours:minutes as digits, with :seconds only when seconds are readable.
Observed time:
8:05
